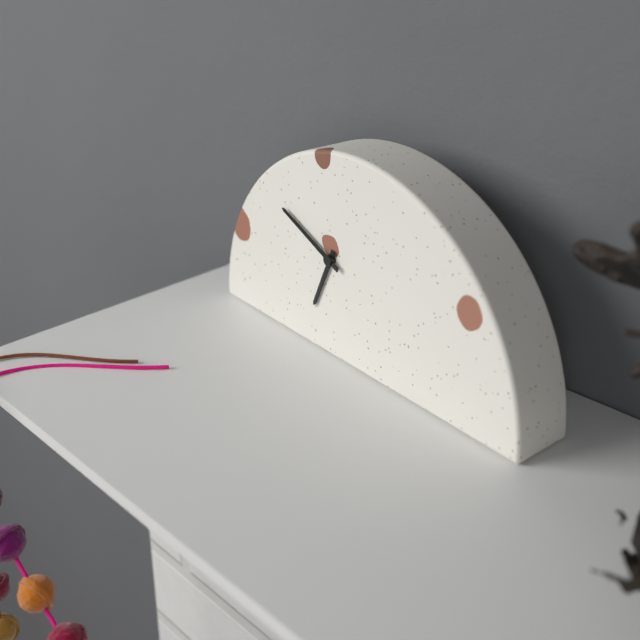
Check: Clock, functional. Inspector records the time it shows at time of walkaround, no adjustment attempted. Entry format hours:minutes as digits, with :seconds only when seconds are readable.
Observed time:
6:49
